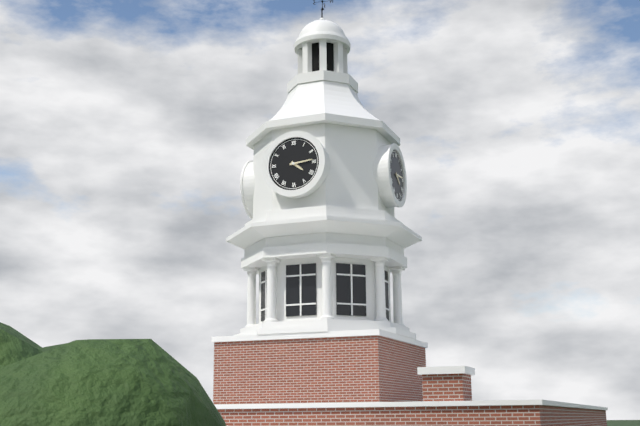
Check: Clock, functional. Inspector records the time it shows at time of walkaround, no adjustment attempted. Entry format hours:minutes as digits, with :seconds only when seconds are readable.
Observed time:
4:14
